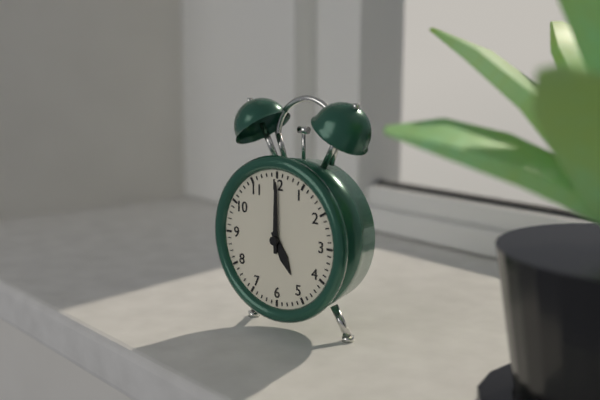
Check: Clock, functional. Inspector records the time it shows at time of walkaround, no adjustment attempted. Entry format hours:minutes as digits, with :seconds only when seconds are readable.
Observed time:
5:00
